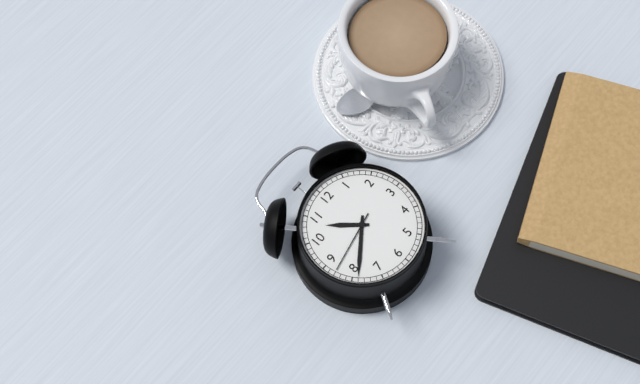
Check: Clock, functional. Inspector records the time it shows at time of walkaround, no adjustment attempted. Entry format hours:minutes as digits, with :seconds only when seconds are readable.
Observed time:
10:39:43
